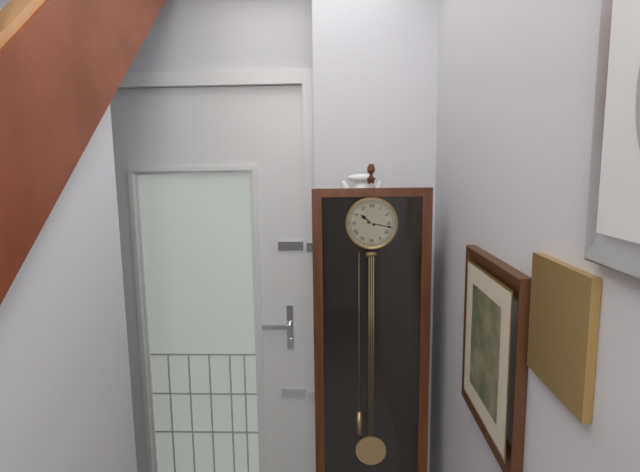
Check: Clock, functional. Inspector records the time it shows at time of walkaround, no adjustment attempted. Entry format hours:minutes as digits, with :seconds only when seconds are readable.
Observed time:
10:17
